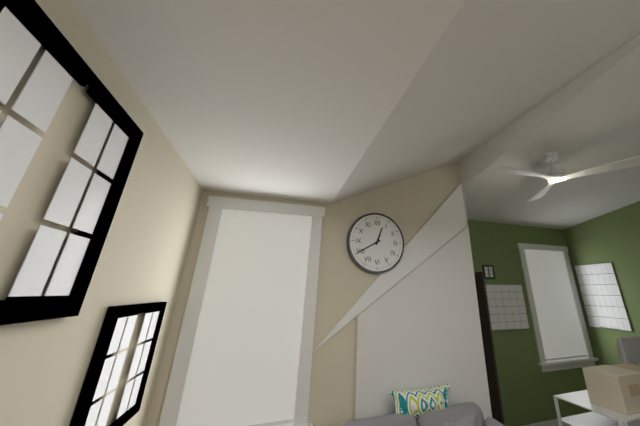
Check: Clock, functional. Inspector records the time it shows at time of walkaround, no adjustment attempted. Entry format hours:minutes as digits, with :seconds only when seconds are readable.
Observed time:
12:40
